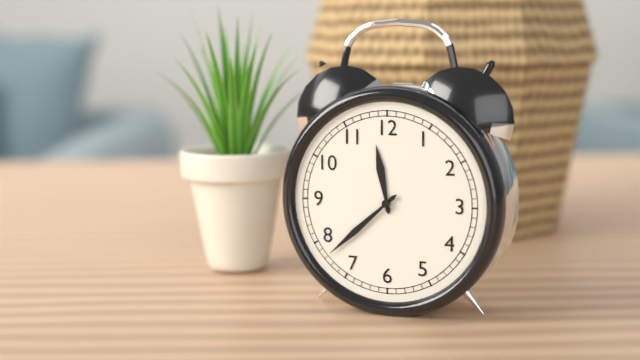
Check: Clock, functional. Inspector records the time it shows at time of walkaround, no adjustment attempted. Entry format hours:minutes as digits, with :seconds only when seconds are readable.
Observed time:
11:38
